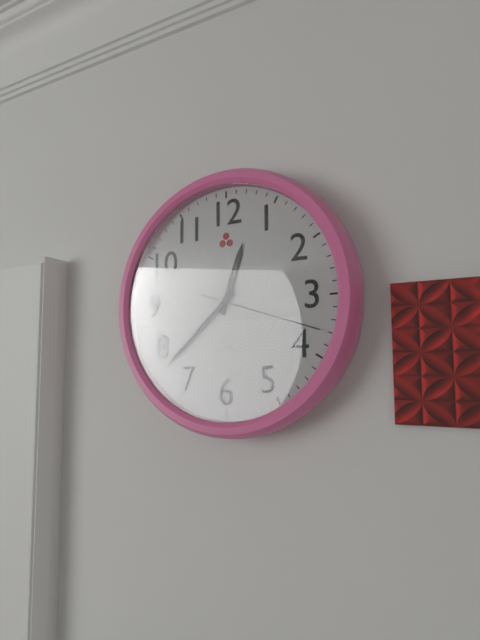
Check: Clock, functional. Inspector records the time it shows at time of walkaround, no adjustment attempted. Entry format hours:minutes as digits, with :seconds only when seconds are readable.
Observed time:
12:38:18
